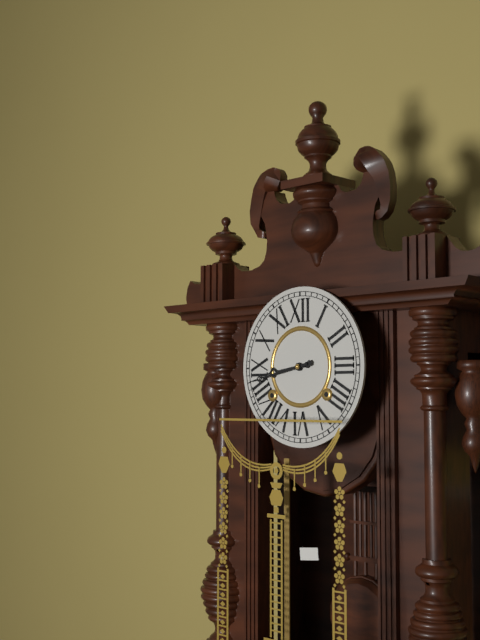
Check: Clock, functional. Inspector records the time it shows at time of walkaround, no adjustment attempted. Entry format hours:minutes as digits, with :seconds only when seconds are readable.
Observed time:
8:43
